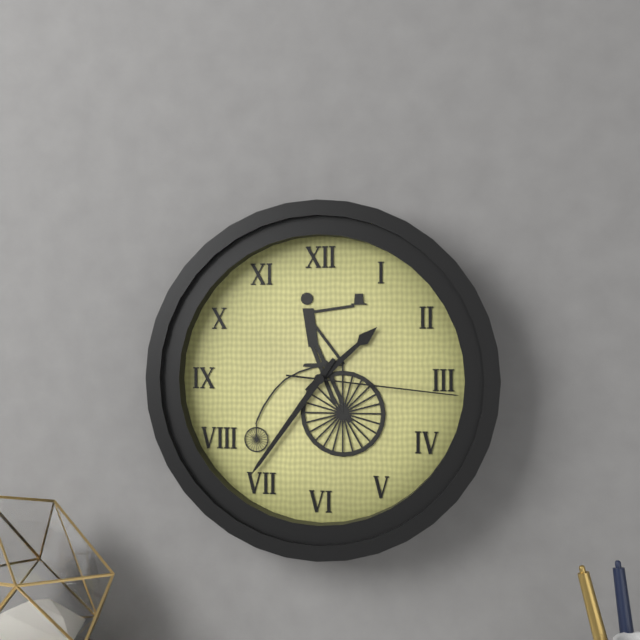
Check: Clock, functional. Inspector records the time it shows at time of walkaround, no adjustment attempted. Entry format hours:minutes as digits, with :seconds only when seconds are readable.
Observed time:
1:36:16
